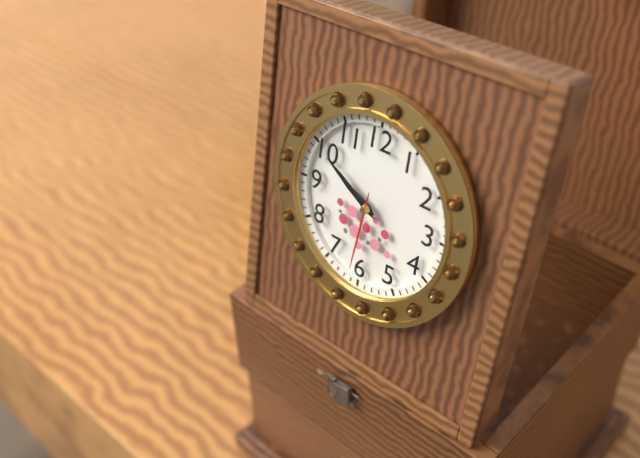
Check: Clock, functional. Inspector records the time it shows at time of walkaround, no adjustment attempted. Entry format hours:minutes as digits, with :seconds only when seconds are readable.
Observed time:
9:50:31
